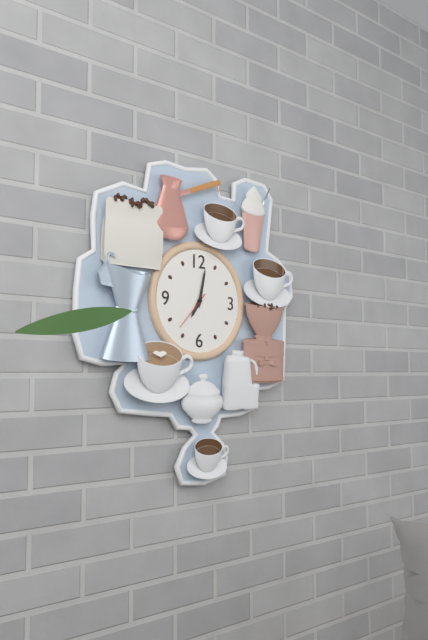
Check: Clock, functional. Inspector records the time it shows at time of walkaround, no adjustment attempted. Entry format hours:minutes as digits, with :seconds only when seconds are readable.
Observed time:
7:02
